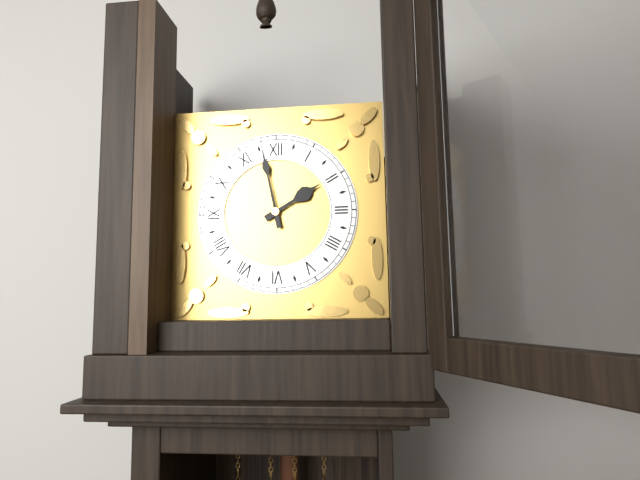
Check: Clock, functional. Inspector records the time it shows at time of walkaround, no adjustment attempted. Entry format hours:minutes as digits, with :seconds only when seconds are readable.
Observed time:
1:58
